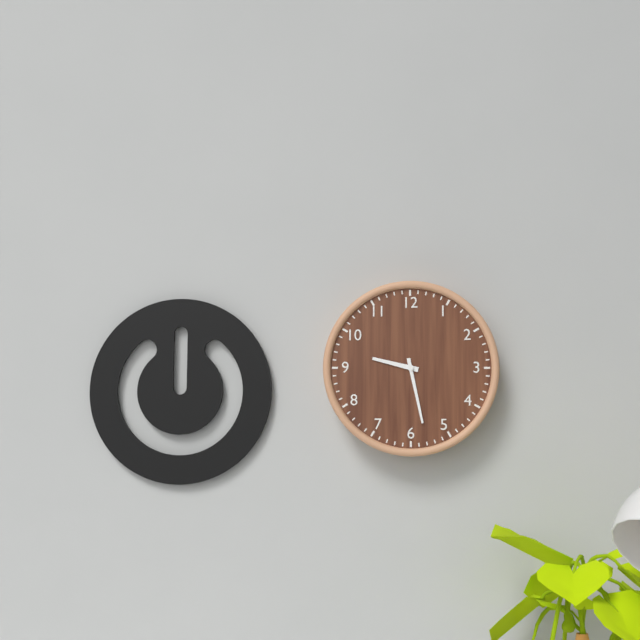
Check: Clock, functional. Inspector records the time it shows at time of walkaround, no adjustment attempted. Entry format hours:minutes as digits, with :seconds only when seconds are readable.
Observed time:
9:28
